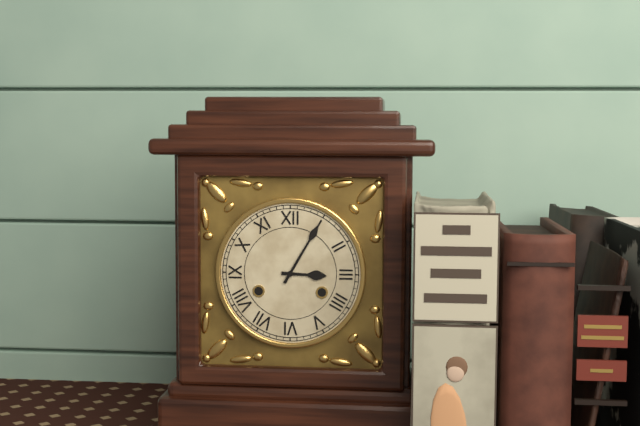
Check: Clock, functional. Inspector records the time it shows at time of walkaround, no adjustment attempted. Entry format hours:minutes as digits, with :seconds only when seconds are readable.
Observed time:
3:05
